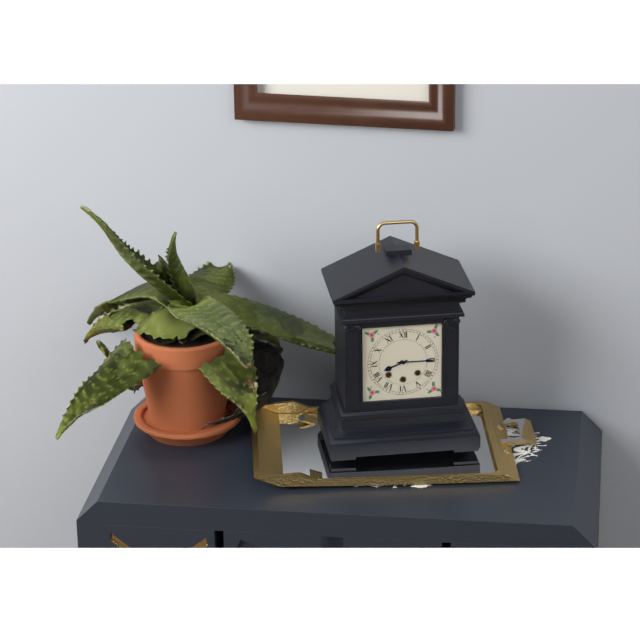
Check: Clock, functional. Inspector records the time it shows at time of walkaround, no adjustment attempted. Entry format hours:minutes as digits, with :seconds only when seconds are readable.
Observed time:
8:15
